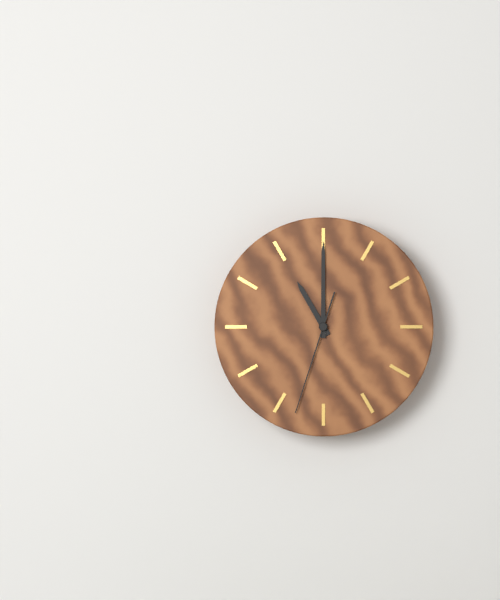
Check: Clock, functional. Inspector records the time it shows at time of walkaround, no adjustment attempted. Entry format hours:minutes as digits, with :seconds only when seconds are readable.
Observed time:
11:00:33
